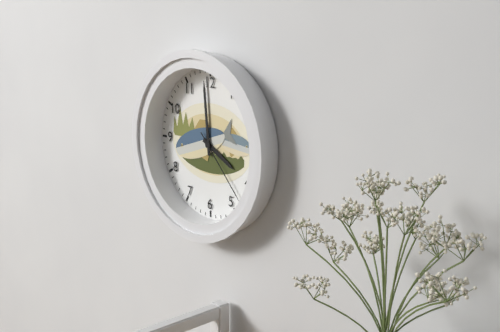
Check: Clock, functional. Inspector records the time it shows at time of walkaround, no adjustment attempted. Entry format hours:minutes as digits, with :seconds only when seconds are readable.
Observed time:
3:59:23
